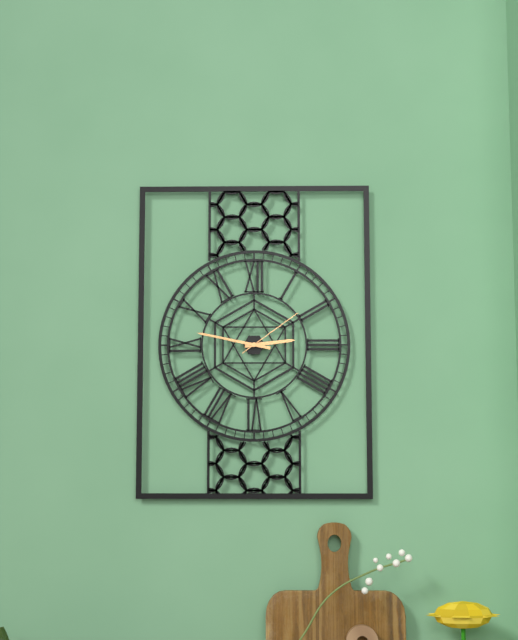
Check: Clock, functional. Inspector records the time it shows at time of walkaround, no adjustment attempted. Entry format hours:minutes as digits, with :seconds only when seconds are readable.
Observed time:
2:47:09
